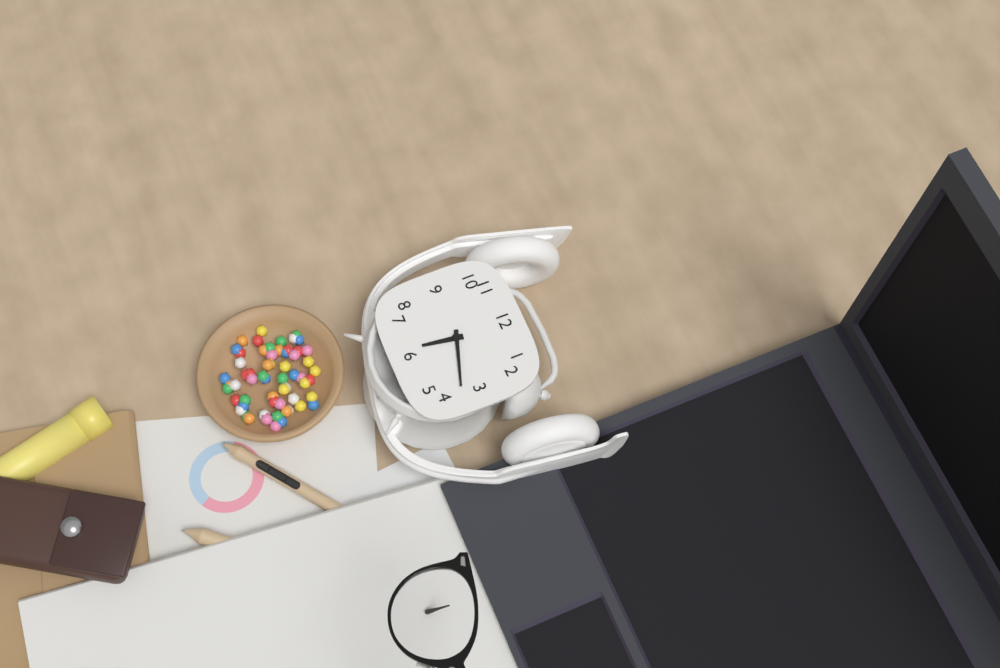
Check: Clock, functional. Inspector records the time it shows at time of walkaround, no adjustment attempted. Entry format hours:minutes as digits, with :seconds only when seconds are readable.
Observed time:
6:18
